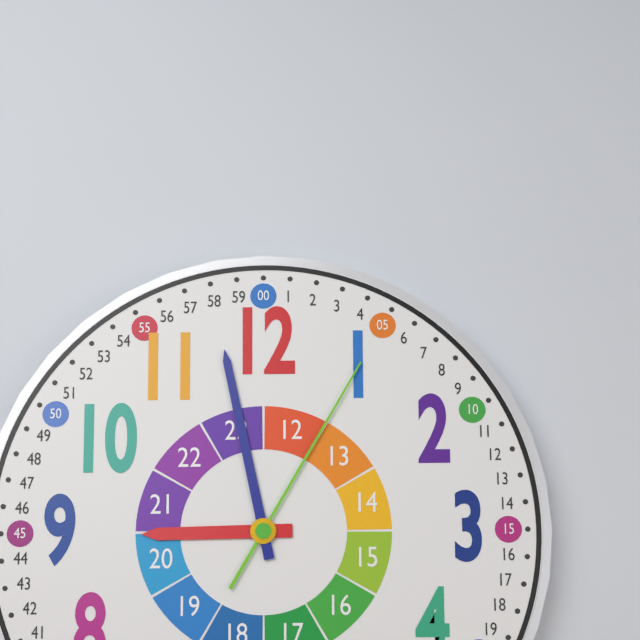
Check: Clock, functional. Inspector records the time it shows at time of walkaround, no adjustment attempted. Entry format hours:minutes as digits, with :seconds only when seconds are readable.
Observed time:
8:58:05
